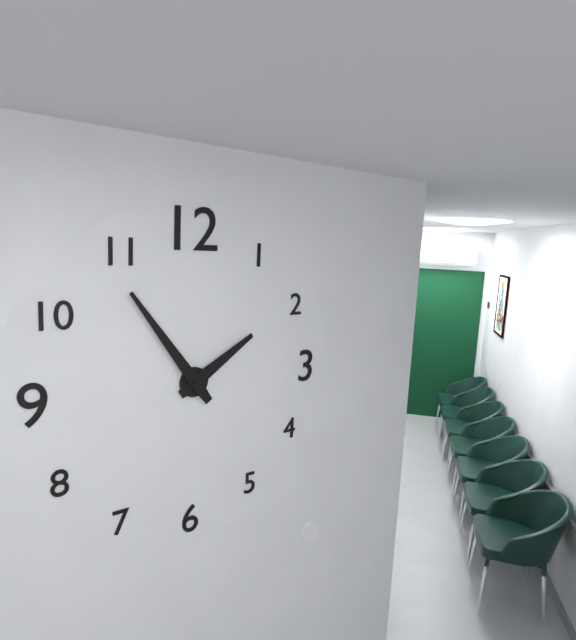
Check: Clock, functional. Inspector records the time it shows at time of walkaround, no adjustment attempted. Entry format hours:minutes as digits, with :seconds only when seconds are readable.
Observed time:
1:54
